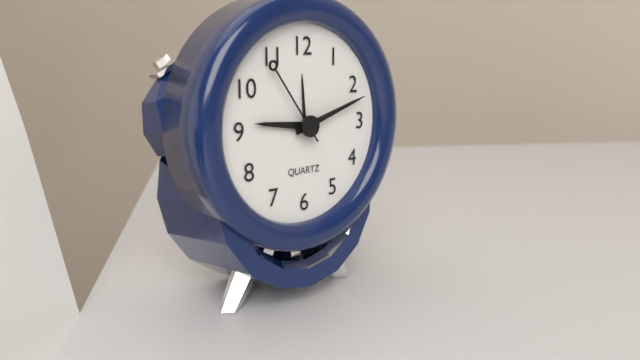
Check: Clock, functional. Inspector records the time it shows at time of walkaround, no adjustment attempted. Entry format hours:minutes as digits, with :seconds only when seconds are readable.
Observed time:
9:12:54
